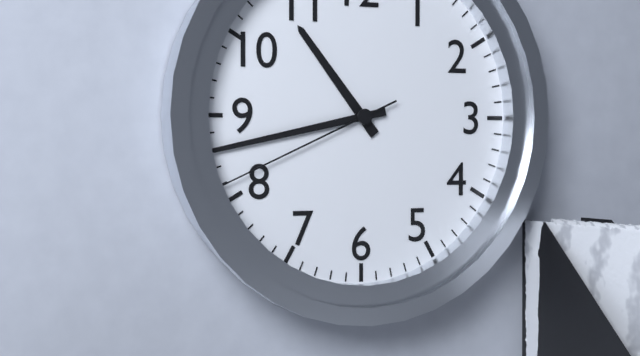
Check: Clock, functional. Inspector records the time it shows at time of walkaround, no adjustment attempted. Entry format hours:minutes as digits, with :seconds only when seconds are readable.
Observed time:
10:43:41
